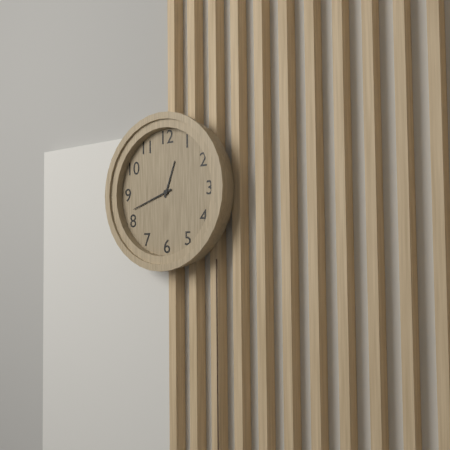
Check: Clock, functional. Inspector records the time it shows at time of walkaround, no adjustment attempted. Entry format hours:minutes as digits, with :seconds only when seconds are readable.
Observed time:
12:42
